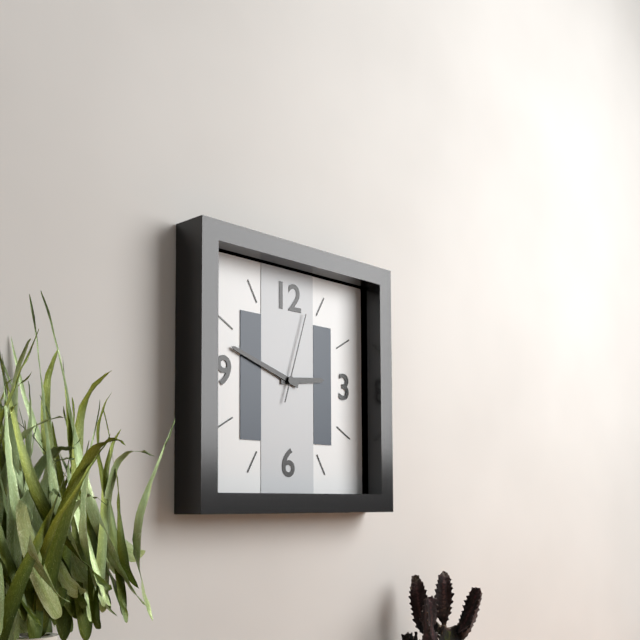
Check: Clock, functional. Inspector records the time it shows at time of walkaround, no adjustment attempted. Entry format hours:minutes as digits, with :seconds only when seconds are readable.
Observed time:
2:48:03
